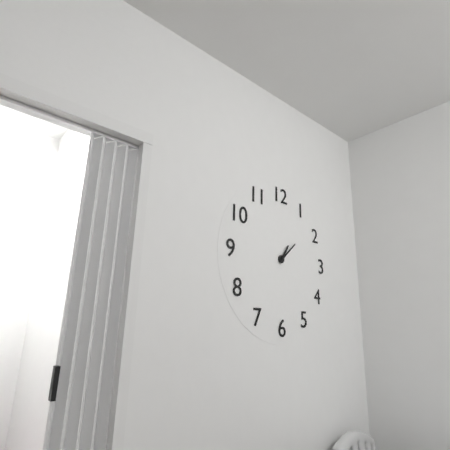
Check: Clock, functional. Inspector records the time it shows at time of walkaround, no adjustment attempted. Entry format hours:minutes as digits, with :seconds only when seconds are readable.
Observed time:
1:08
